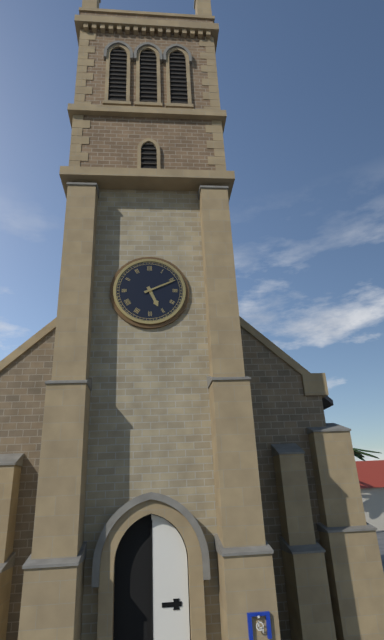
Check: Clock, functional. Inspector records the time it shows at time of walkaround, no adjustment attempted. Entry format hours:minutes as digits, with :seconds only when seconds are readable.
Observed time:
5:11
